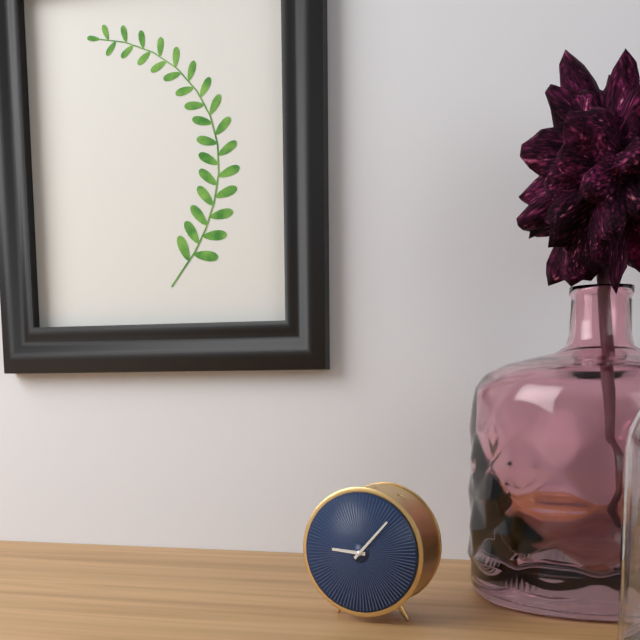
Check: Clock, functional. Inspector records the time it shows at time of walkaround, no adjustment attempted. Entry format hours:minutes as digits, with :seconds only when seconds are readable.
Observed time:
9:07
